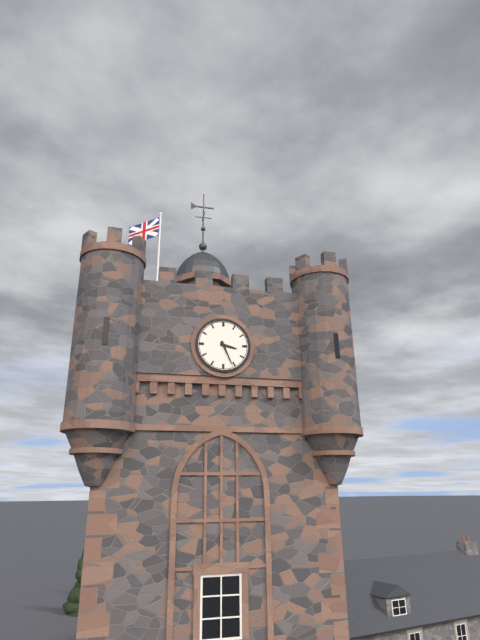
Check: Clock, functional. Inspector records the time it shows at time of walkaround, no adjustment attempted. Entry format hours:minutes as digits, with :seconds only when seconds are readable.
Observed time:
3:26
